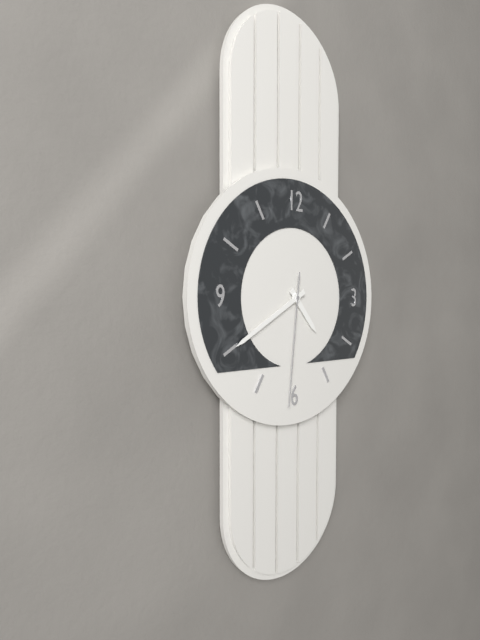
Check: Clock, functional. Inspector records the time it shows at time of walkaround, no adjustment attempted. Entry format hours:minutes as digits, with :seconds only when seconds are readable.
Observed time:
4:40:31
